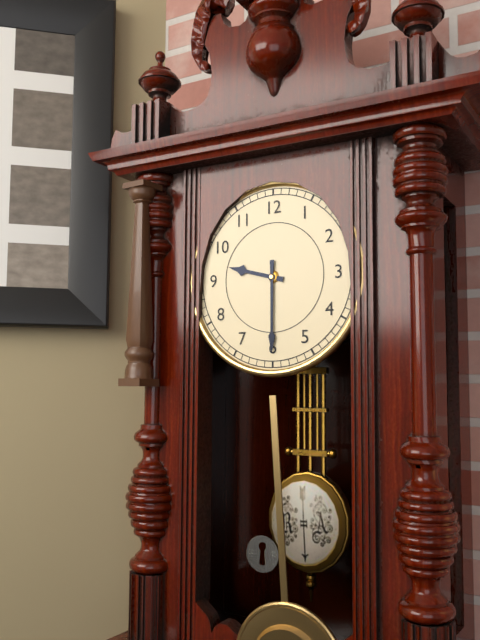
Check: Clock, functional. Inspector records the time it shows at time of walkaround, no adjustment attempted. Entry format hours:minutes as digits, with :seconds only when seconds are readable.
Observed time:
9:30
